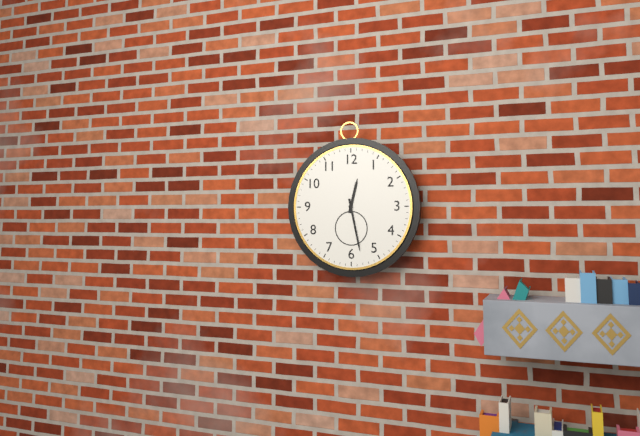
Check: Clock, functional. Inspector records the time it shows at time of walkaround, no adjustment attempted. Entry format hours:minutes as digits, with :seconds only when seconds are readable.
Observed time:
12:28
